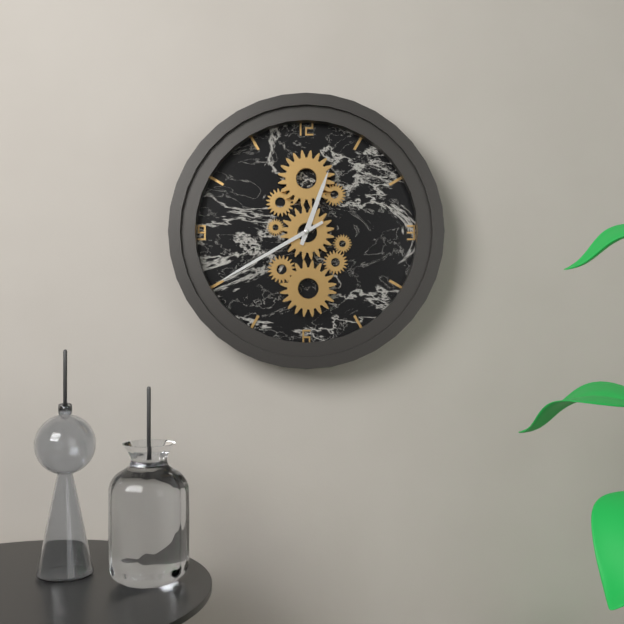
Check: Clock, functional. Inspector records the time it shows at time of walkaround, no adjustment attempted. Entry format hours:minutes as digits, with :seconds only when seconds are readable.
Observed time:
12:40
